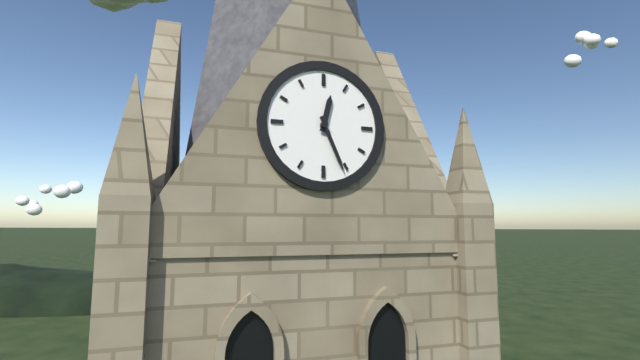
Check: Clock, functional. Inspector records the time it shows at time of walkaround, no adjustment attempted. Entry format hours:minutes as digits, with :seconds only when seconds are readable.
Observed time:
12:26
